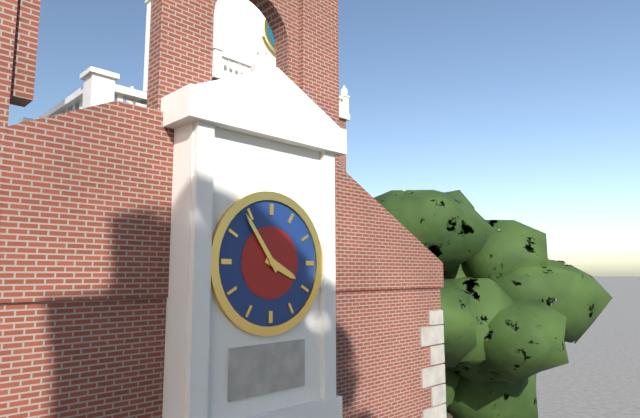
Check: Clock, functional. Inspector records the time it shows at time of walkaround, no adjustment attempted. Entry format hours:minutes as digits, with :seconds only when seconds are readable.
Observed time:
3:54
